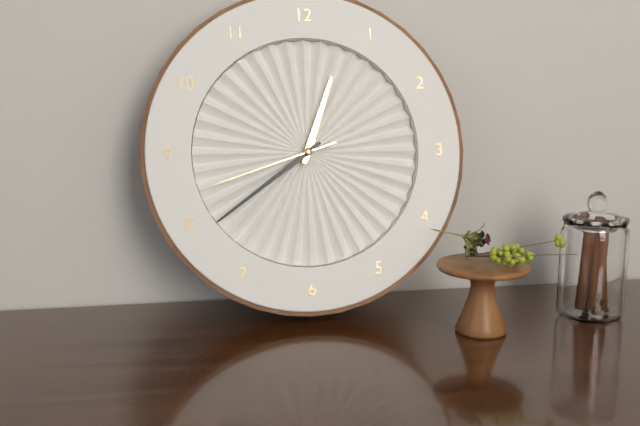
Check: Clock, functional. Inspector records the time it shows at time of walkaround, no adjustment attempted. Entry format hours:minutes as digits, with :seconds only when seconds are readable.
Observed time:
12:39:42
